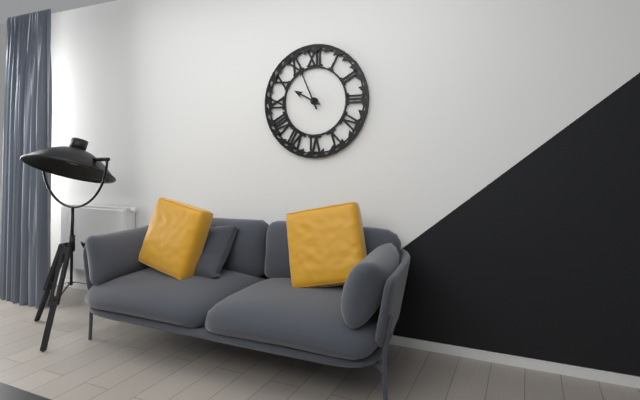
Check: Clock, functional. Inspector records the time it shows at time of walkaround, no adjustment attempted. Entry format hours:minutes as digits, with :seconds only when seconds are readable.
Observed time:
9:56
